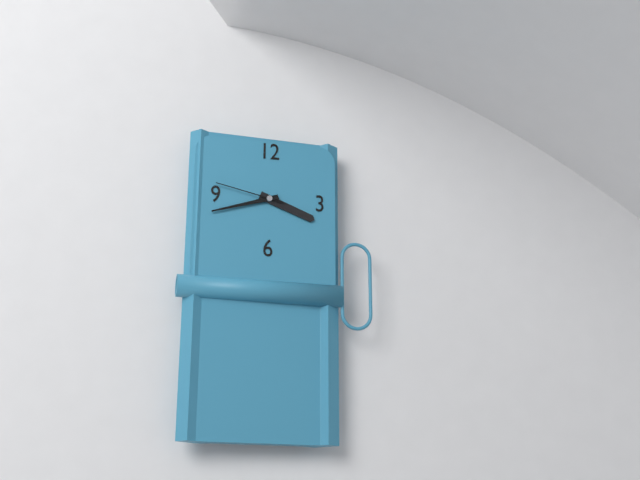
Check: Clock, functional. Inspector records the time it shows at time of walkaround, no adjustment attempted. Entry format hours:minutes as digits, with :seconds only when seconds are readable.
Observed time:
3:42:47
